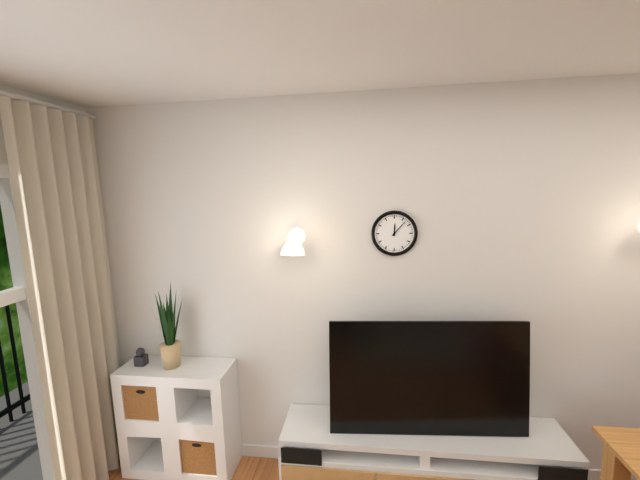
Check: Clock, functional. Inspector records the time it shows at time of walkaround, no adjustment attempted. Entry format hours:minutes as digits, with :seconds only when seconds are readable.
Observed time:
12:07
